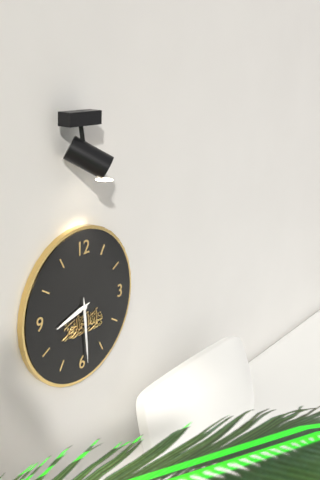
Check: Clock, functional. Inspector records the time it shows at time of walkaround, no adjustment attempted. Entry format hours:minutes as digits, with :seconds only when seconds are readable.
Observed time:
8:29
